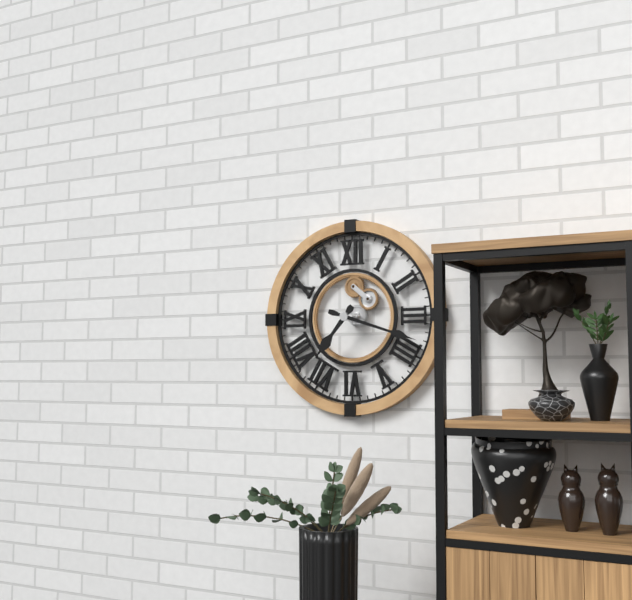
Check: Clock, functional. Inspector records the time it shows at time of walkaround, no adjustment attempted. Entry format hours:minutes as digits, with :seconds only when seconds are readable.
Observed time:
7:18
